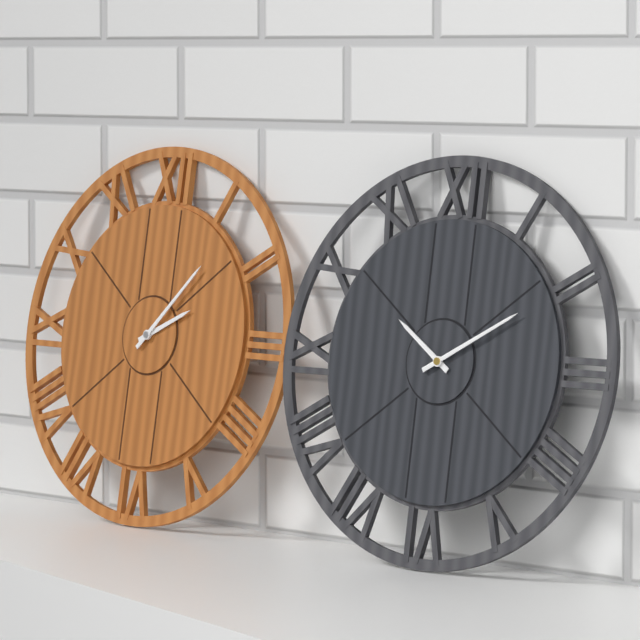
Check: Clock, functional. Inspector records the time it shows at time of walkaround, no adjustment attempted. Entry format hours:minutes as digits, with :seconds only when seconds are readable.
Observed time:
2:07
